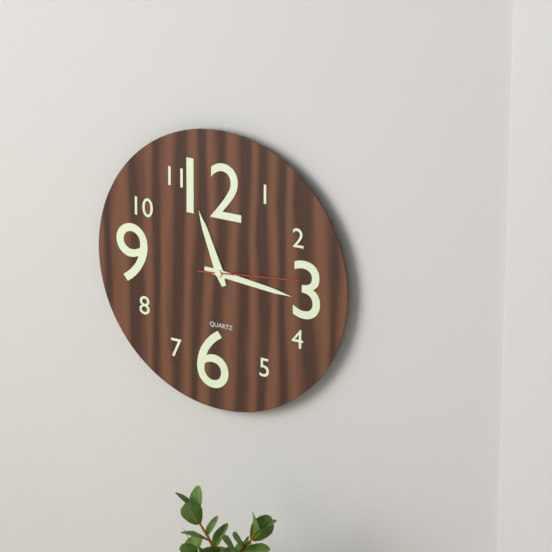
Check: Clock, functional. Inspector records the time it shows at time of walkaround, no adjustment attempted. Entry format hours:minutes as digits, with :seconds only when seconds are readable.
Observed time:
11:16:14
